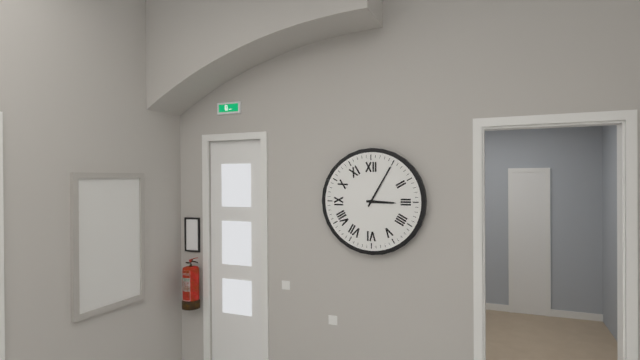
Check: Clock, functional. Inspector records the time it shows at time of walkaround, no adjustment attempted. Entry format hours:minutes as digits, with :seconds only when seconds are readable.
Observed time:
3:05
